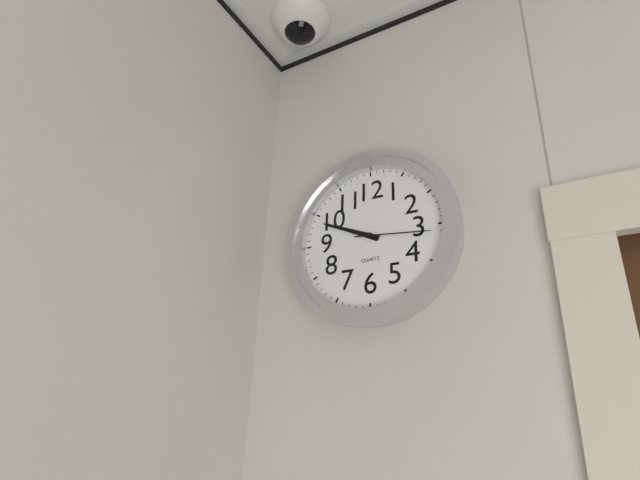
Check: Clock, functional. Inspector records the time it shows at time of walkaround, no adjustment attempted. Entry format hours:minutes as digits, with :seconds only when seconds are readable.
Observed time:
9:49:16
